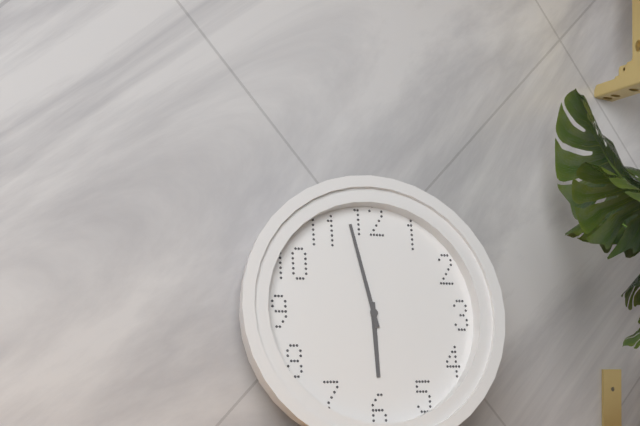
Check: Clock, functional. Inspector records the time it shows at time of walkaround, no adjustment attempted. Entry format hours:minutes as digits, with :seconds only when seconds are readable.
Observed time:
5:58
